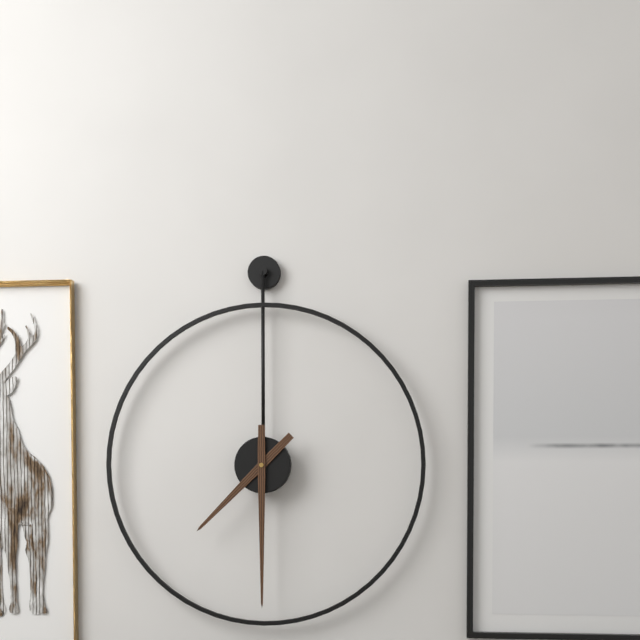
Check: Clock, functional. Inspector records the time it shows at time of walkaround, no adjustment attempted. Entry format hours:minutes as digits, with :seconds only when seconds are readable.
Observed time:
7:30
